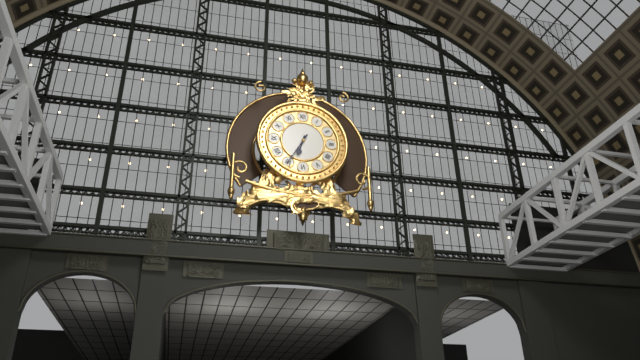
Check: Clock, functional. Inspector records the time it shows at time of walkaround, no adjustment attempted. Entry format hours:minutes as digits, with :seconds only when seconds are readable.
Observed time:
6:35
